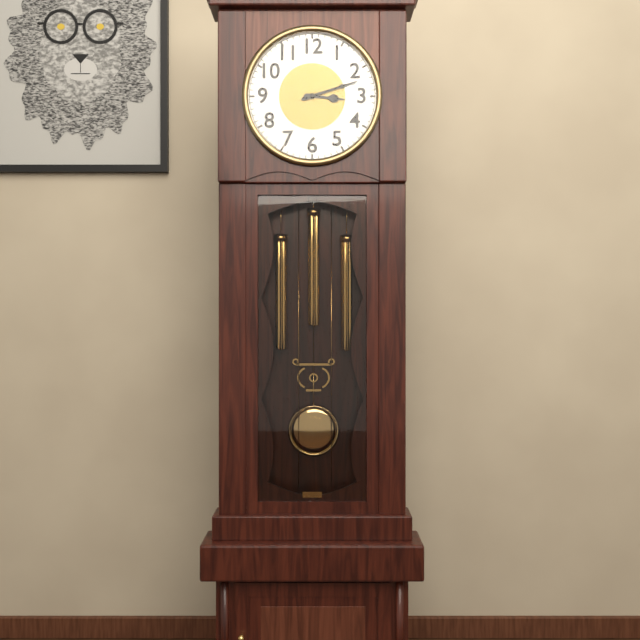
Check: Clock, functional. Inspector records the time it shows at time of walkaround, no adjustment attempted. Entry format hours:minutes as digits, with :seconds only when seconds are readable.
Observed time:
3:12
